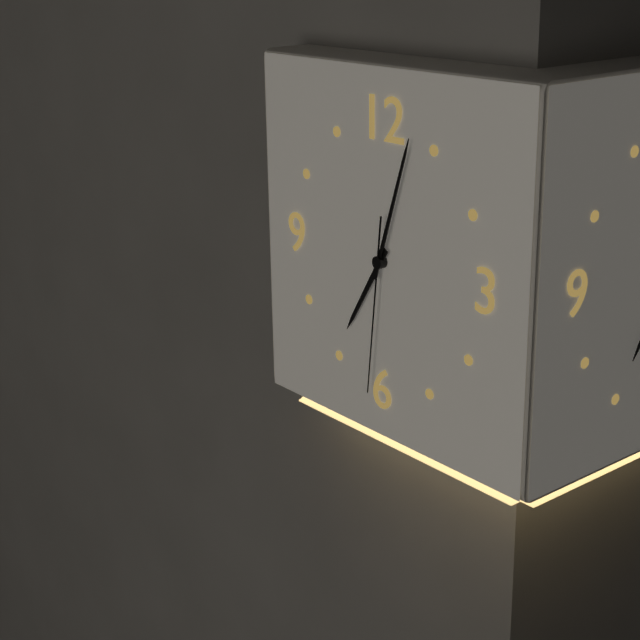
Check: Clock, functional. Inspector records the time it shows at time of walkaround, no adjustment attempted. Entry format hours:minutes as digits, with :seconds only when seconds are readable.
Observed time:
7:03:31
